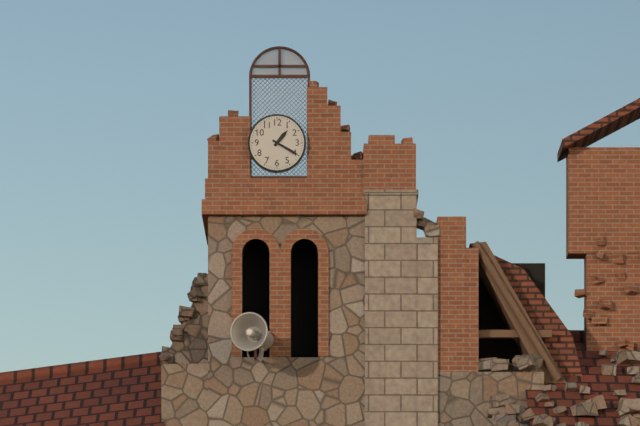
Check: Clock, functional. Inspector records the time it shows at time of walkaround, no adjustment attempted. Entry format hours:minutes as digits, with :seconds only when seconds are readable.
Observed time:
1:20
